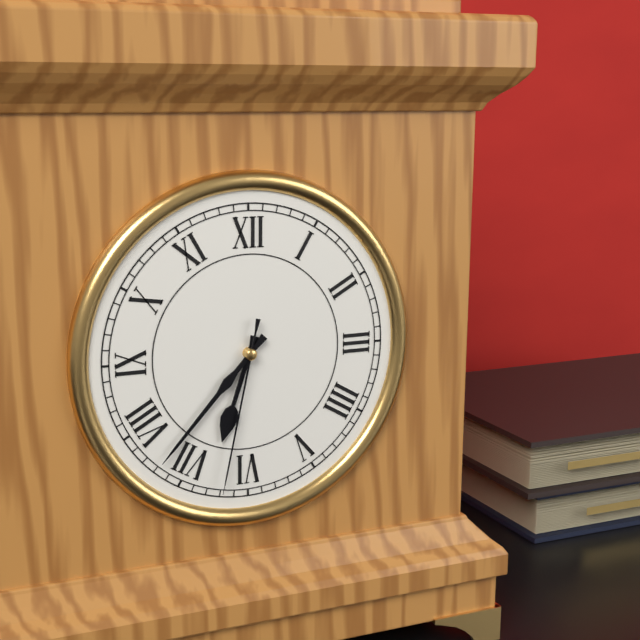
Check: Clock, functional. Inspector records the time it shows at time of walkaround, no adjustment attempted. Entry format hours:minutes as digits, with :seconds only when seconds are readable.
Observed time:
6:37:32
